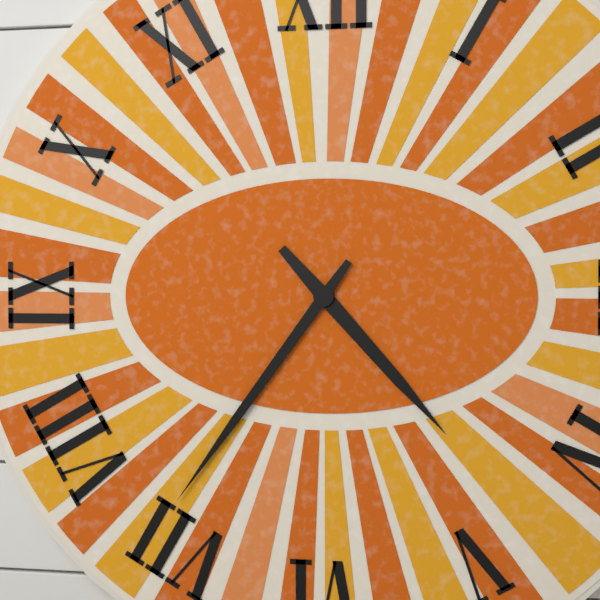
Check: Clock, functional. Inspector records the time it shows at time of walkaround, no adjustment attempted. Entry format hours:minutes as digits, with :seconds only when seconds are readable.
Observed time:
4:36
